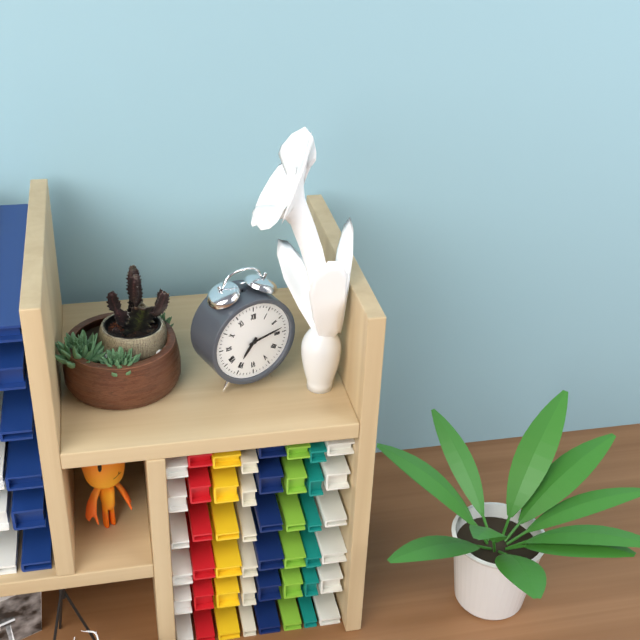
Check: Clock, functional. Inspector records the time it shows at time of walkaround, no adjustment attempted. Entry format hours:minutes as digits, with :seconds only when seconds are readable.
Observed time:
7:13
